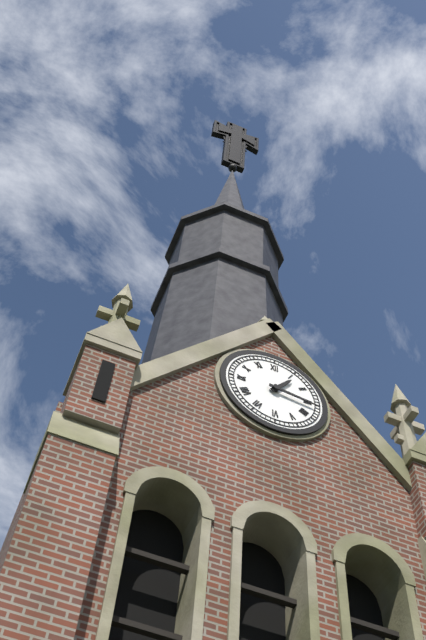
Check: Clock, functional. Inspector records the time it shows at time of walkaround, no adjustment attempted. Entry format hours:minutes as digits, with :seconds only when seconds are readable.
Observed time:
1:16
